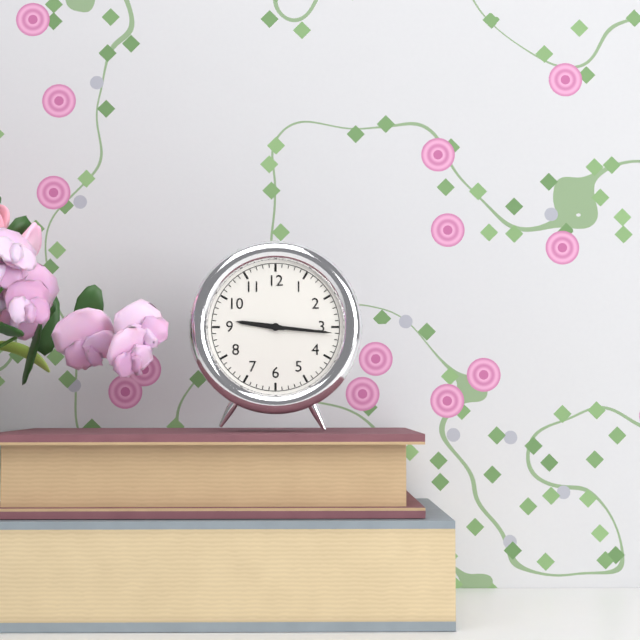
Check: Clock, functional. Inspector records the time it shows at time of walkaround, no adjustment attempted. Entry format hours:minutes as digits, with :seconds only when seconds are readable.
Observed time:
9:16
